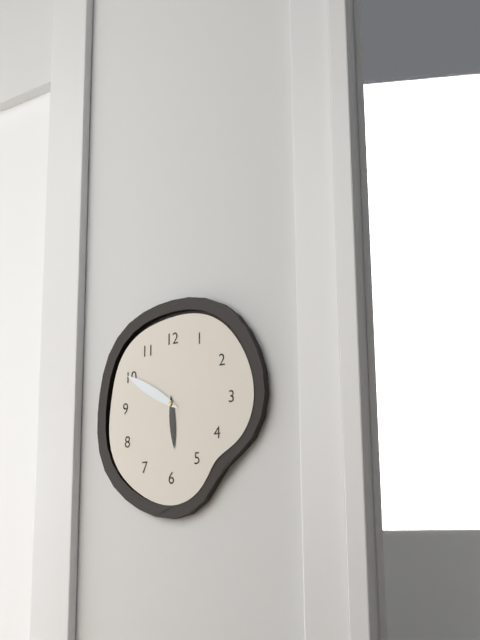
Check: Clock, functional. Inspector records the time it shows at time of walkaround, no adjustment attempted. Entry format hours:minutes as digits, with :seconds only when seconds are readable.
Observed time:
5:50
